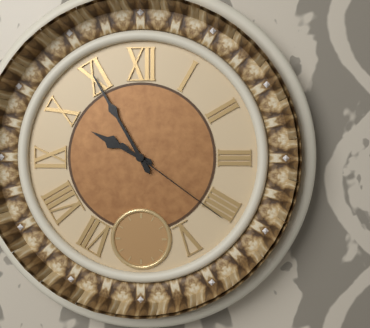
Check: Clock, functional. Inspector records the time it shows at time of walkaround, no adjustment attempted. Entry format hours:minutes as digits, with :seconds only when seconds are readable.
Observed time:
9:55:21
